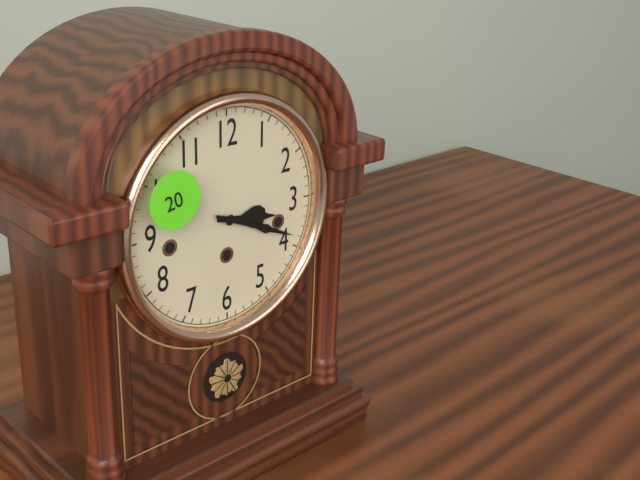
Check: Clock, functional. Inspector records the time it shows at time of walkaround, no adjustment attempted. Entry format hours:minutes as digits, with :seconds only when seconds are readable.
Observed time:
3:19
